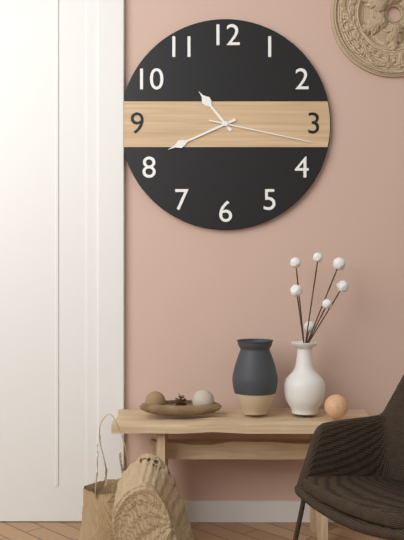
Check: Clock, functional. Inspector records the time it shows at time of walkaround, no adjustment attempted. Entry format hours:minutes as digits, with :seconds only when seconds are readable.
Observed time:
10:41:17
